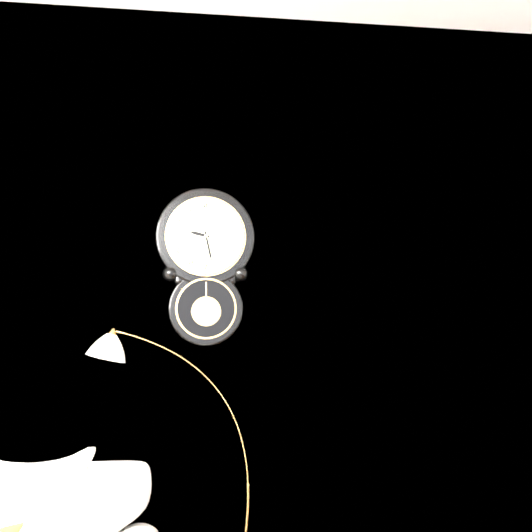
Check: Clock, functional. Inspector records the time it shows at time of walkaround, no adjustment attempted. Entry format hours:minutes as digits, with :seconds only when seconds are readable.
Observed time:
9:28
